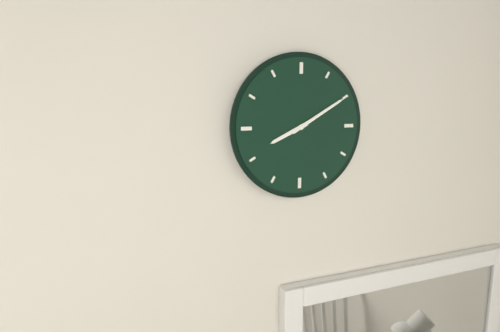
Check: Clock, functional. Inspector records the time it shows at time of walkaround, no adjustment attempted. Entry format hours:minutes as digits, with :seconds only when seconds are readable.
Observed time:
8:10
